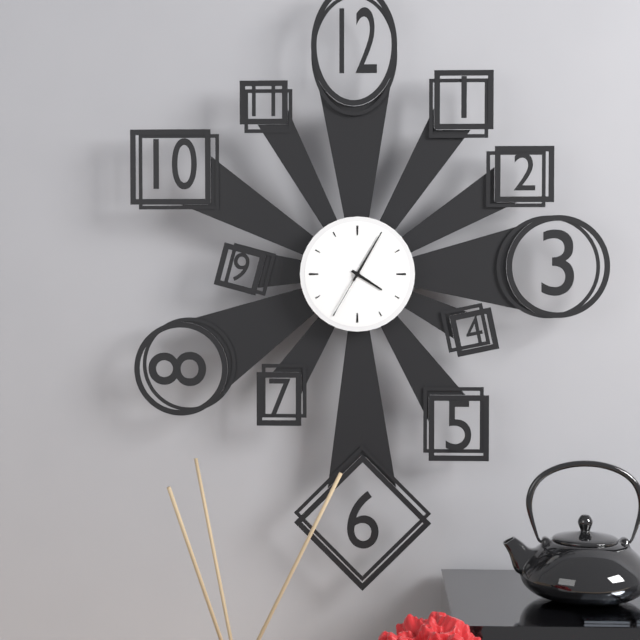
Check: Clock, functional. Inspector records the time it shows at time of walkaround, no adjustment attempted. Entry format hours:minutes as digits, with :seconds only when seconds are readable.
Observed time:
4:05:35
